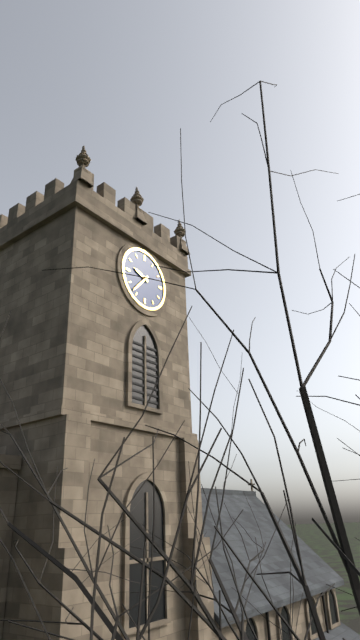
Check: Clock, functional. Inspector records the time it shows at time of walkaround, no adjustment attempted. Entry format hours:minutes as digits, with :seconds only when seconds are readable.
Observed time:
9:37
